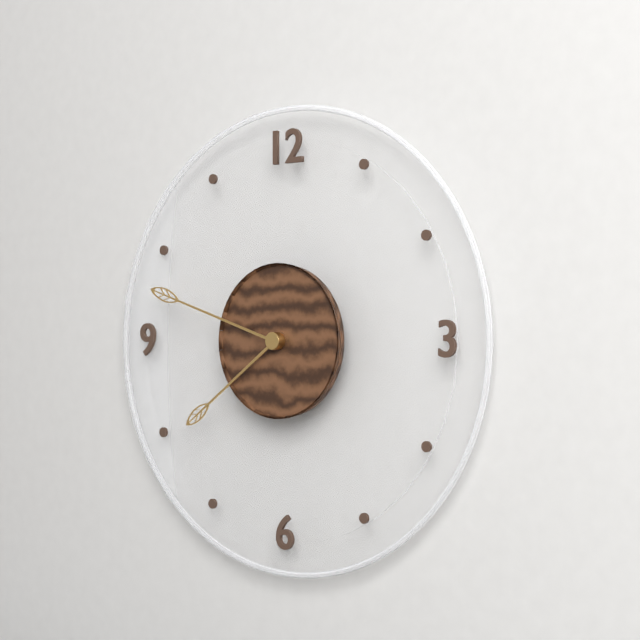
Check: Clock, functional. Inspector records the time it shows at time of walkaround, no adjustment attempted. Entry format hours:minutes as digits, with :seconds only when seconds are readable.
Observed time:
7:48
